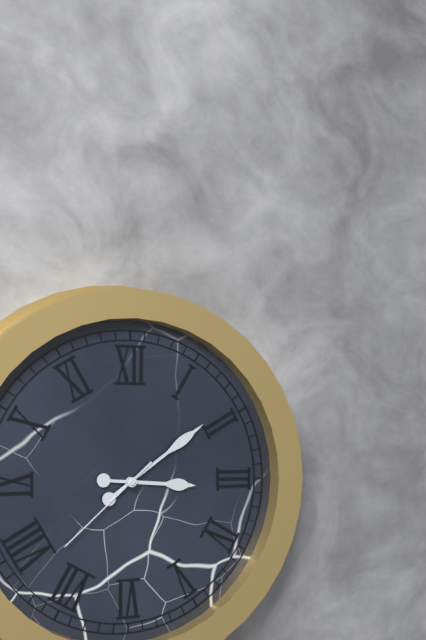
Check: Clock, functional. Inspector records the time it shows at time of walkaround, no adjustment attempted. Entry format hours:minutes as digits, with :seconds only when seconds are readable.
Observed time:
3:09:38
